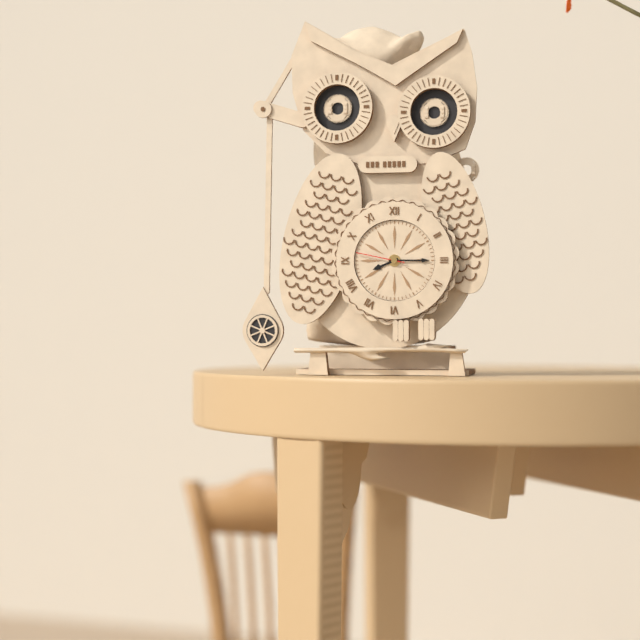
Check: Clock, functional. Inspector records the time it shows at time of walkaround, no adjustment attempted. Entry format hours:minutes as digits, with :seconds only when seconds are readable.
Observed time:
8:15:47
